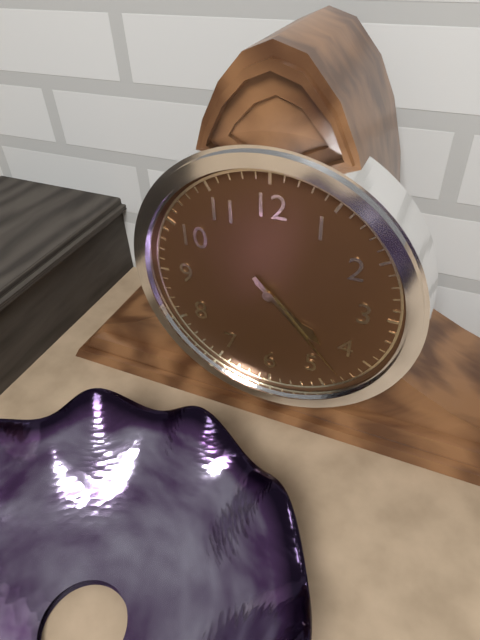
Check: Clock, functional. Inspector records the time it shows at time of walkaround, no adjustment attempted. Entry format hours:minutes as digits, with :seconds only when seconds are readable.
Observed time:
4:23
